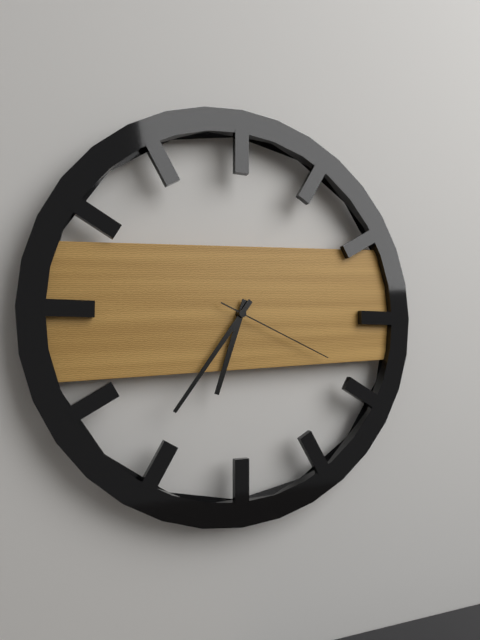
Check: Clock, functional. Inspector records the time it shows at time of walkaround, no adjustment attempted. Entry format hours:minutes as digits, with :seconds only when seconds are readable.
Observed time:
6:36:19
